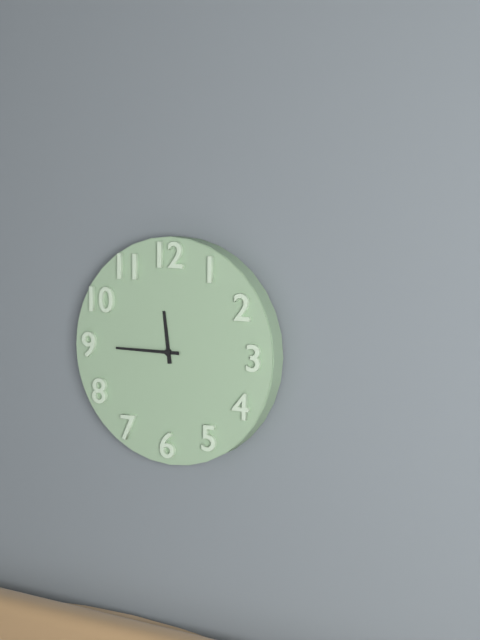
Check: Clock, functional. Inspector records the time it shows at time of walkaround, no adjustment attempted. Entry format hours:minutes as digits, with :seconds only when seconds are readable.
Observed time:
11:45
